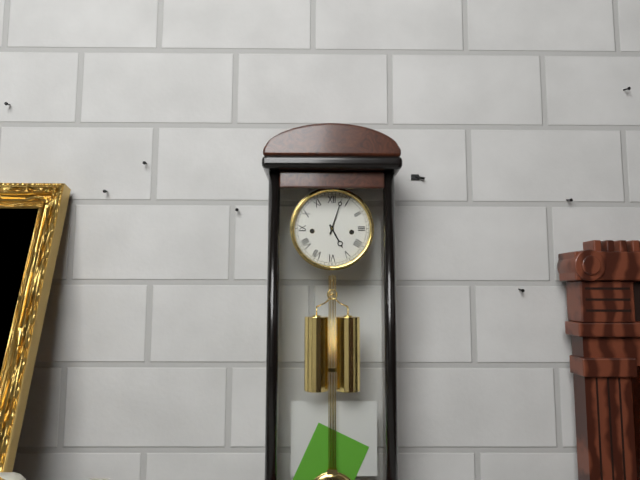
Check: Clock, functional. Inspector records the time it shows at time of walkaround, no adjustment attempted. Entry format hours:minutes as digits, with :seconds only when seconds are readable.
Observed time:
5:03
